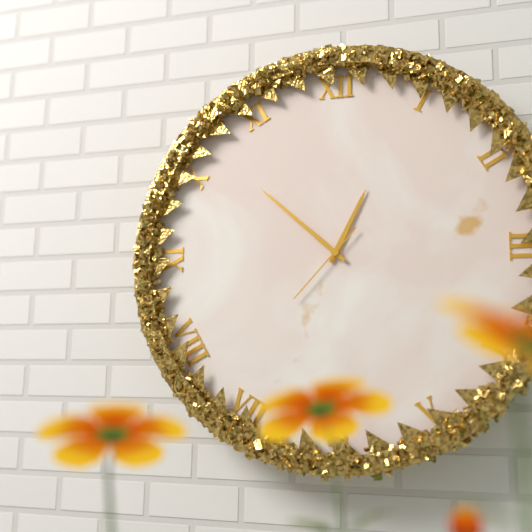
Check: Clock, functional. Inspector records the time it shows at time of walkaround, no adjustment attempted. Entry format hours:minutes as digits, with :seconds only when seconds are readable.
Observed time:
12:52:37
